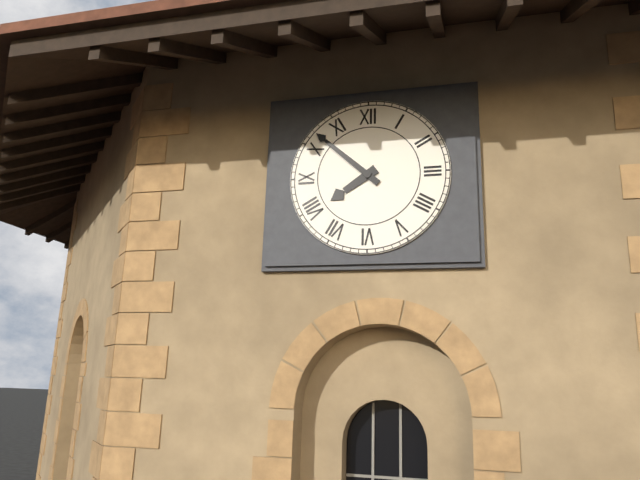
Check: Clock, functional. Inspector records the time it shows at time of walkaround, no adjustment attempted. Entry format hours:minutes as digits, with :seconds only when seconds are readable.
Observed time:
7:52
